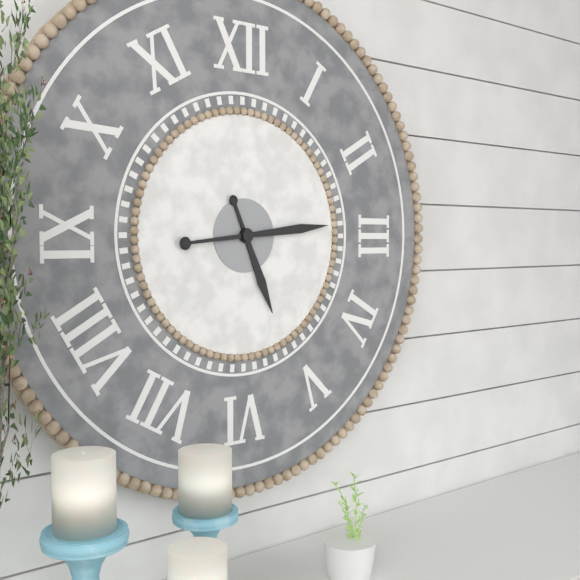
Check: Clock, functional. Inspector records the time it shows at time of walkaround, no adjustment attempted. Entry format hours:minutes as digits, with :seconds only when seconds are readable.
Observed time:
5:14
